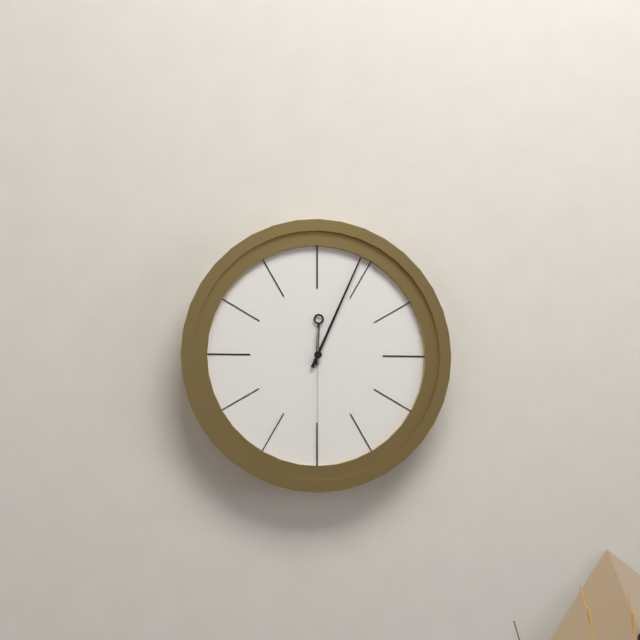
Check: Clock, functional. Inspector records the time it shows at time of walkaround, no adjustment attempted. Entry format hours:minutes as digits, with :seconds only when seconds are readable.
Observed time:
12:04:30
